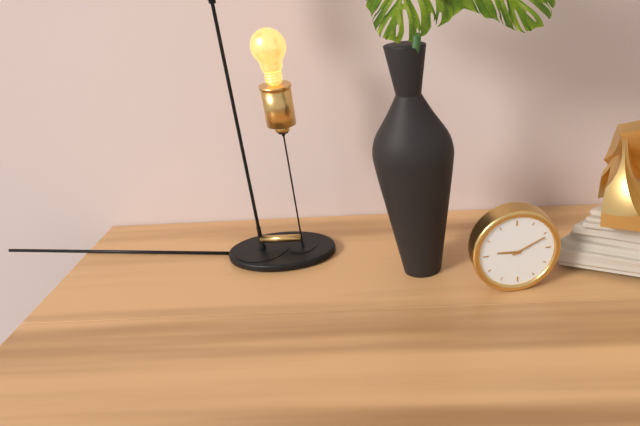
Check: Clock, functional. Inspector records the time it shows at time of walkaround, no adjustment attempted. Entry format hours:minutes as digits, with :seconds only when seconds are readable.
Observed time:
9:11
